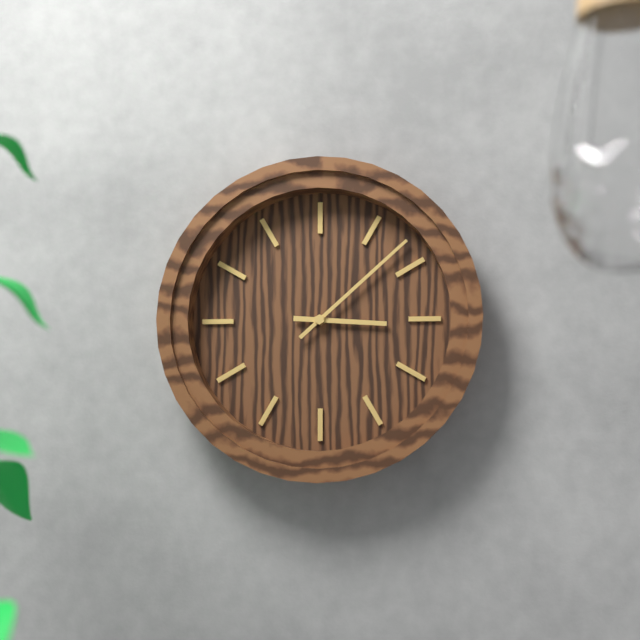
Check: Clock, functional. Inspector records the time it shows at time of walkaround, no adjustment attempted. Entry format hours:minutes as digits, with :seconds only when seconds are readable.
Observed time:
3:08
